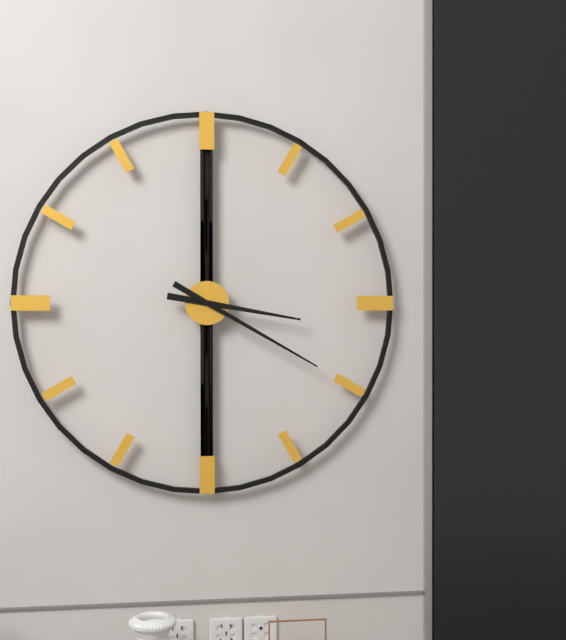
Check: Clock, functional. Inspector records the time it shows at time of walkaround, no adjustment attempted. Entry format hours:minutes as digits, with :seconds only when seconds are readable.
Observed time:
3:20
